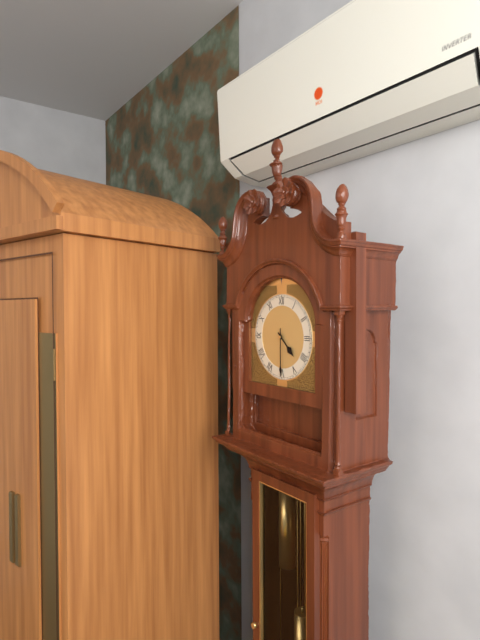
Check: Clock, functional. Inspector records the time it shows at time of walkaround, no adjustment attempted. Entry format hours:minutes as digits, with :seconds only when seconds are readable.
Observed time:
4:30
